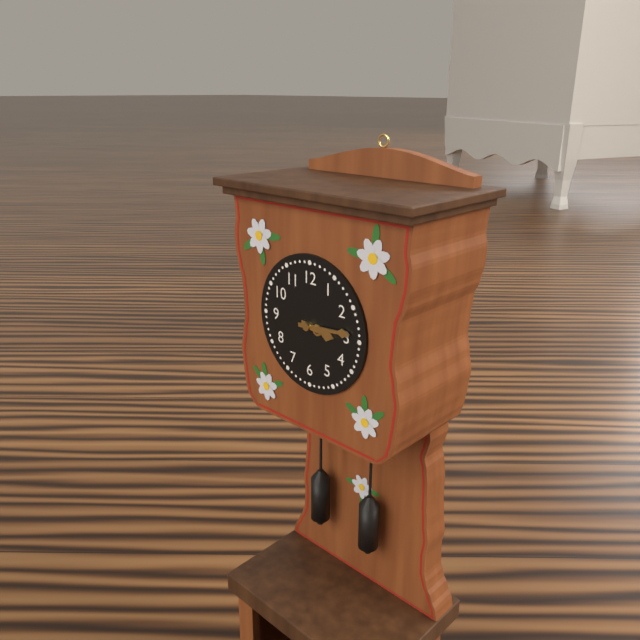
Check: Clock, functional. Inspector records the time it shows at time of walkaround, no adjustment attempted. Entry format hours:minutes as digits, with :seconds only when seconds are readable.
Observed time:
3:14
